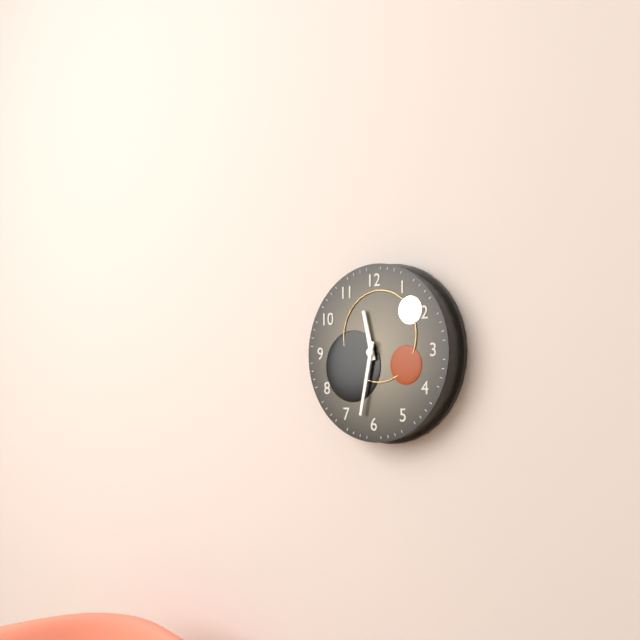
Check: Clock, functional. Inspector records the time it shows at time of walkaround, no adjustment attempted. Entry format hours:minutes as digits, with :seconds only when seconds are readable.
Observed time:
11:32
